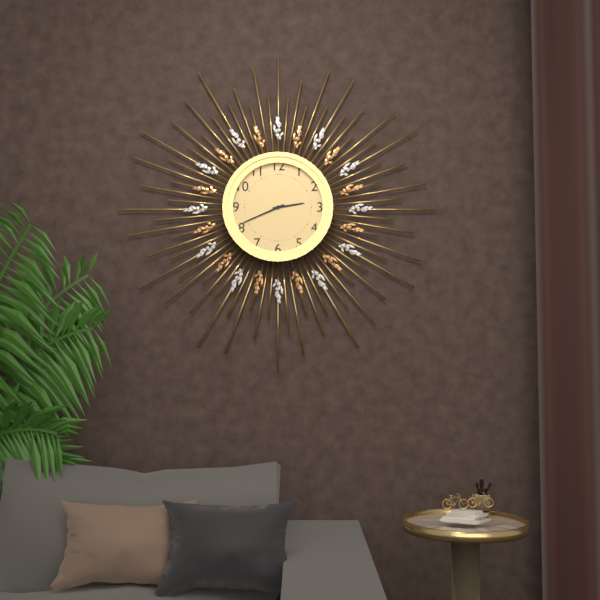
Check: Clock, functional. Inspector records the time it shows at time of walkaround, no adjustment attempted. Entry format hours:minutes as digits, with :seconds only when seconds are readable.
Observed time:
2:41
